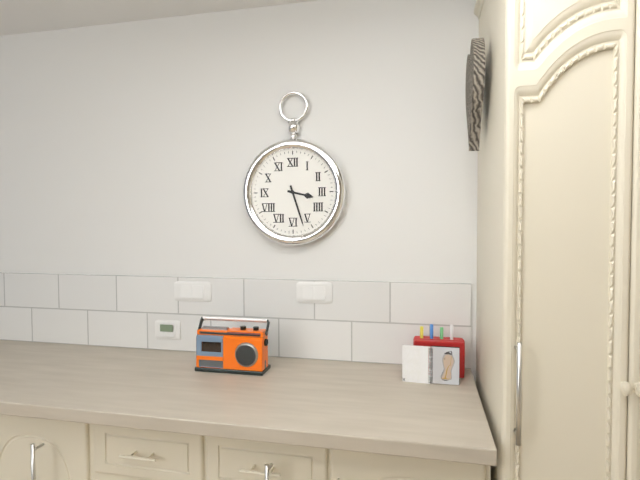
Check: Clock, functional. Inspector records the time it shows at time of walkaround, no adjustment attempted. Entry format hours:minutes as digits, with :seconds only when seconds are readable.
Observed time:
3:27
